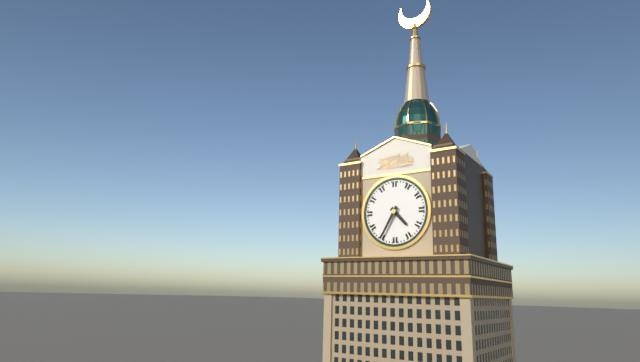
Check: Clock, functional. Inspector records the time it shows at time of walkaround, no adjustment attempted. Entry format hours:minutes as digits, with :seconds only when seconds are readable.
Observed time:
4:35
